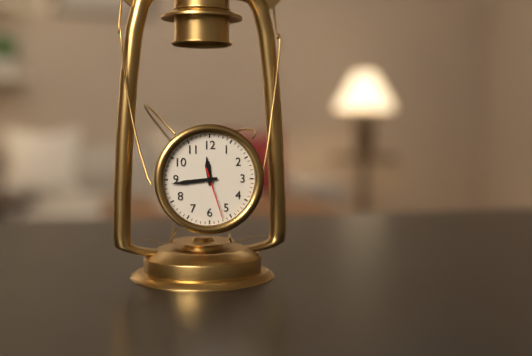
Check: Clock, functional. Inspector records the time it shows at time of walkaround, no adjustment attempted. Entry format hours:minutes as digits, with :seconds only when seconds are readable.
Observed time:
11:44:27
